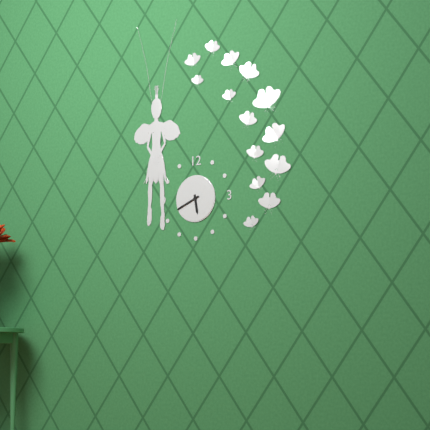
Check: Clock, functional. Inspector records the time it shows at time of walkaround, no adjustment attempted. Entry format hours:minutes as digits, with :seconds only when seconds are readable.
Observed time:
5:41
